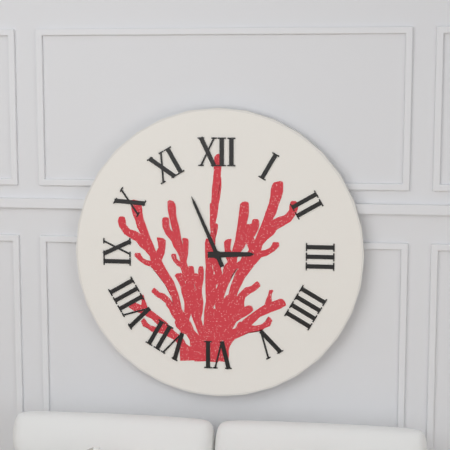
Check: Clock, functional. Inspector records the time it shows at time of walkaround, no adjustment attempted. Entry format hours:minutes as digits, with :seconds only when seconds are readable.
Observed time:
2:56
